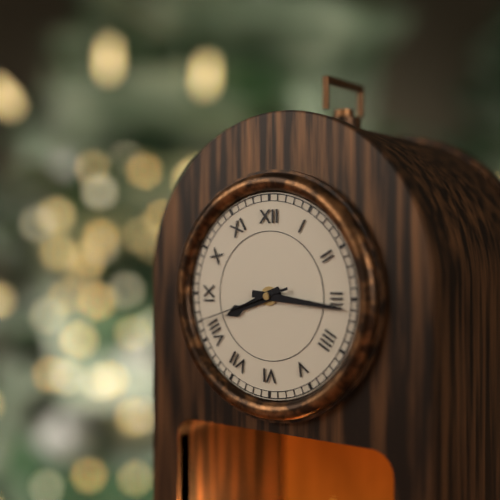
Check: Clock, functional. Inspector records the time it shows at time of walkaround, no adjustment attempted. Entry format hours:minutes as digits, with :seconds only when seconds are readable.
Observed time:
8:16:42
